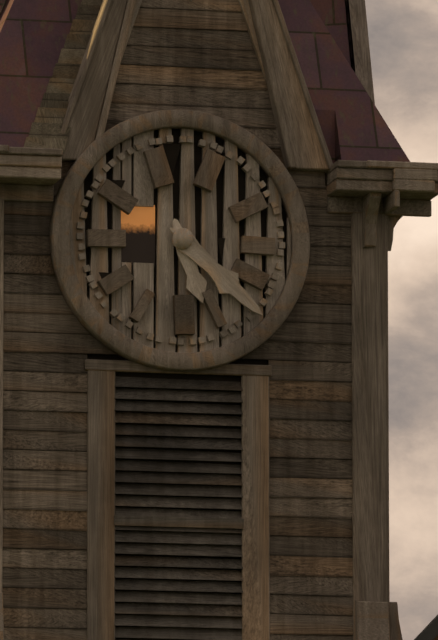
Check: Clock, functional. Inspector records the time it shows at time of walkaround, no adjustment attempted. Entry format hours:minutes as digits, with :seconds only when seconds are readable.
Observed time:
5:22
